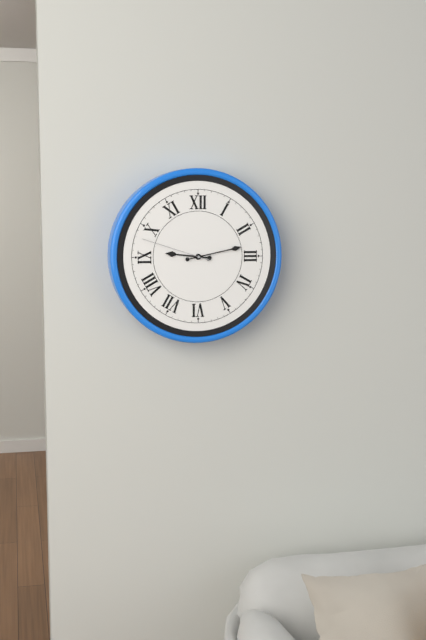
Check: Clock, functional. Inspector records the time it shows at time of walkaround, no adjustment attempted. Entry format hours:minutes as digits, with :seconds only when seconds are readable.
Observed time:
9:13:48
